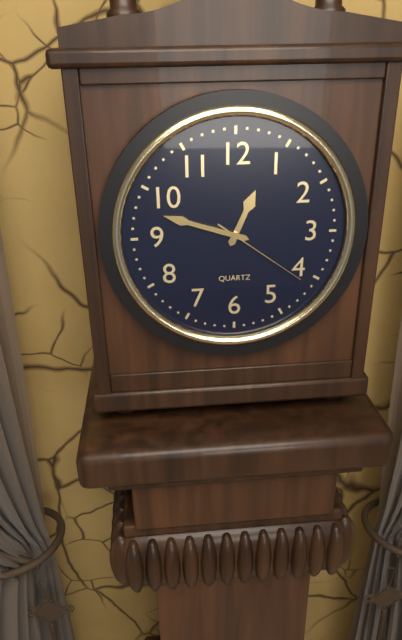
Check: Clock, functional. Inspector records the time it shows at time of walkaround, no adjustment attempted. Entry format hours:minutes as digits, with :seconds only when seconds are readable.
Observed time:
12:48:21
